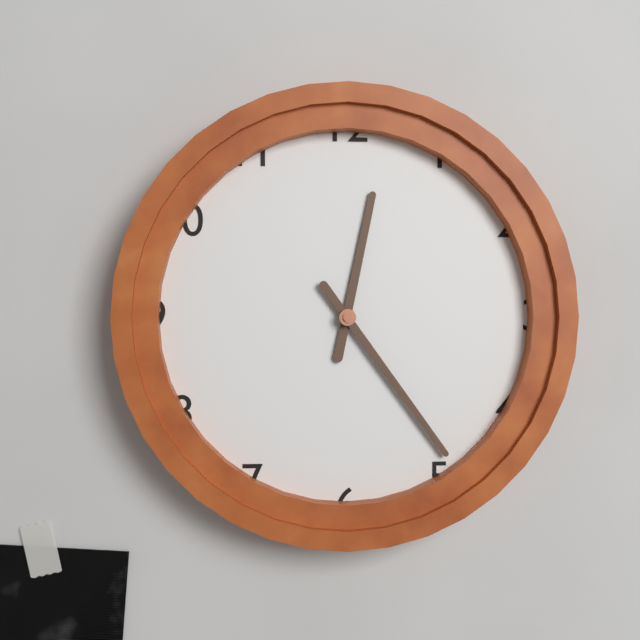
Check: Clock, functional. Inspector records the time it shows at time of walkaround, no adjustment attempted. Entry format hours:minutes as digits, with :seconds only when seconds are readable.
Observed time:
12:24
